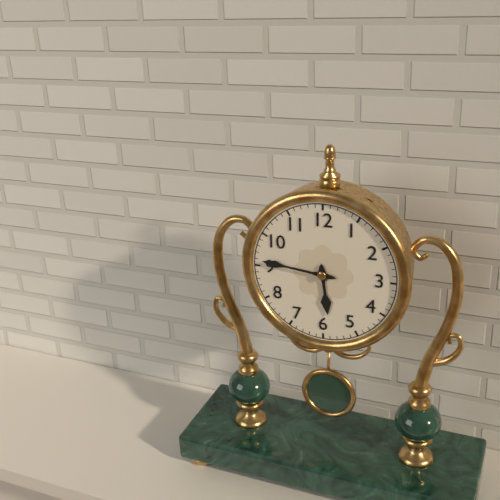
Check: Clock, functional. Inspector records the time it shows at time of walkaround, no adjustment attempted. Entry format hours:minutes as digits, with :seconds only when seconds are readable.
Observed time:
5:46
